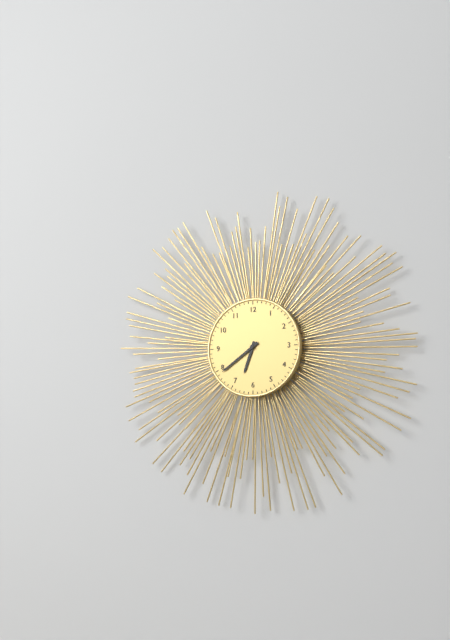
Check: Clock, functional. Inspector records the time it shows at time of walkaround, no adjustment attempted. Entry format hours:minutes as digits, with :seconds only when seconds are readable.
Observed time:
6:39
